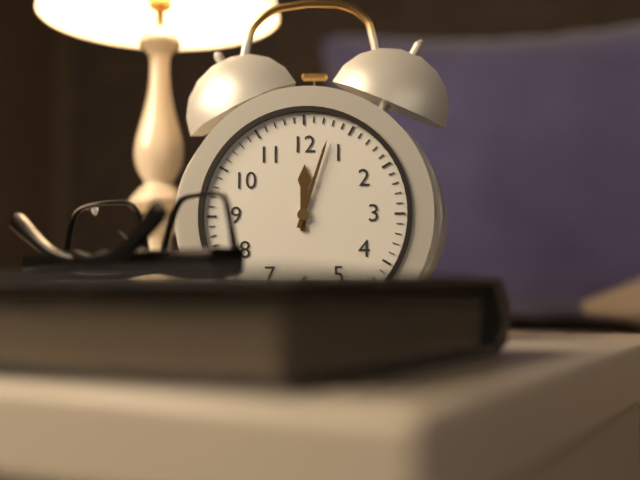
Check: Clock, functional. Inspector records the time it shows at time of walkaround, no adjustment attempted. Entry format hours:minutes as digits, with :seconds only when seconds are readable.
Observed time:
12:03
